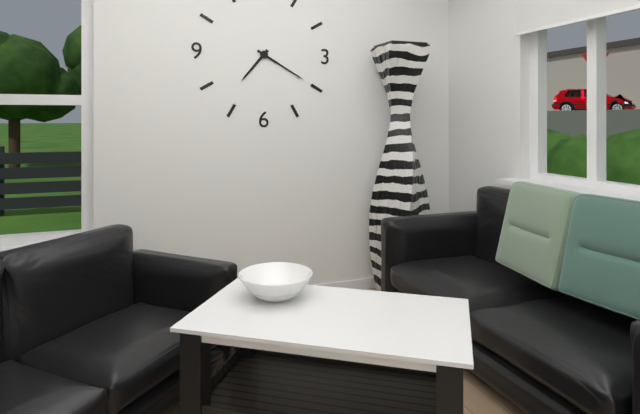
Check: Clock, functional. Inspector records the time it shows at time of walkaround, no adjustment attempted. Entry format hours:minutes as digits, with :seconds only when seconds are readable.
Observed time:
7:20
